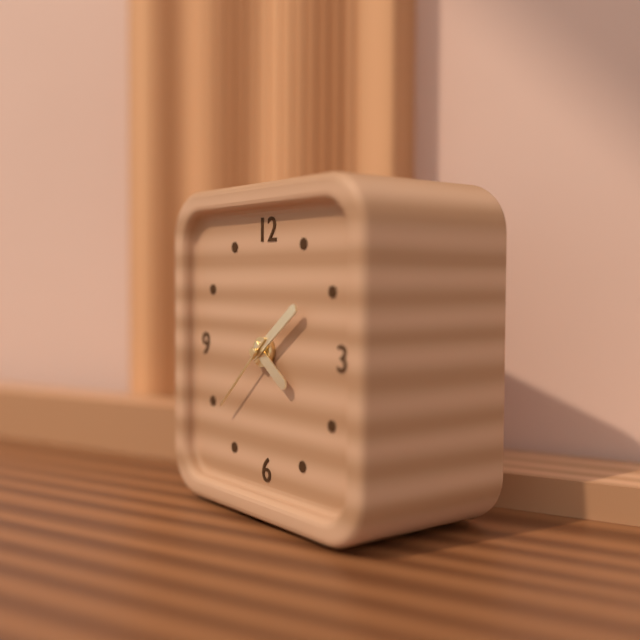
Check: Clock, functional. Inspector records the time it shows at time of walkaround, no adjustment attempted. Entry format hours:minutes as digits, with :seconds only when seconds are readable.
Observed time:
4:09:38
